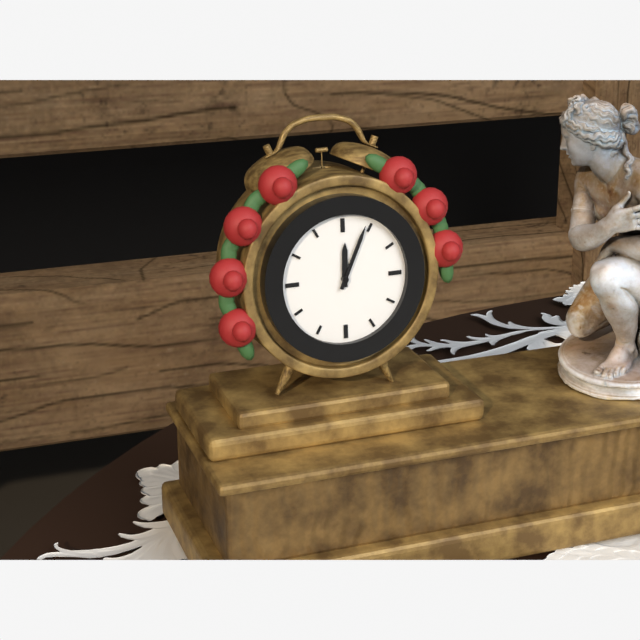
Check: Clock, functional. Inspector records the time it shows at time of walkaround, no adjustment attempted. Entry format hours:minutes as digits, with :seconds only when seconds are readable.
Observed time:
12:04
